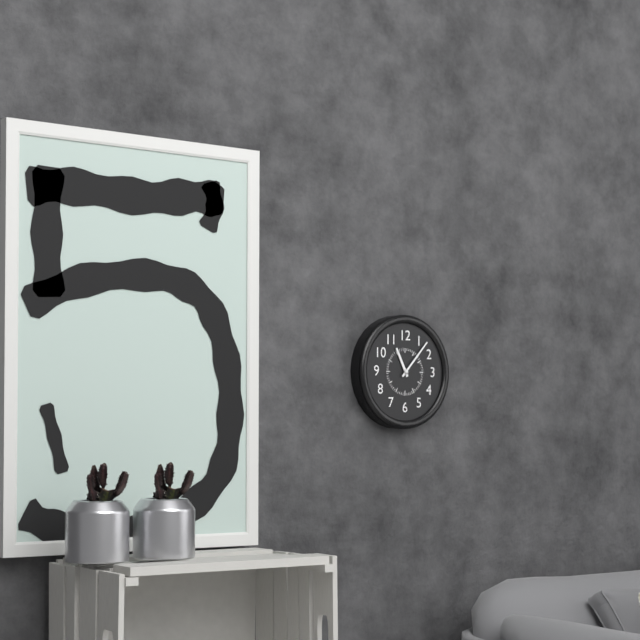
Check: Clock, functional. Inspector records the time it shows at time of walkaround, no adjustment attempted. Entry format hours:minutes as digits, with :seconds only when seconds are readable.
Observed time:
11:07
